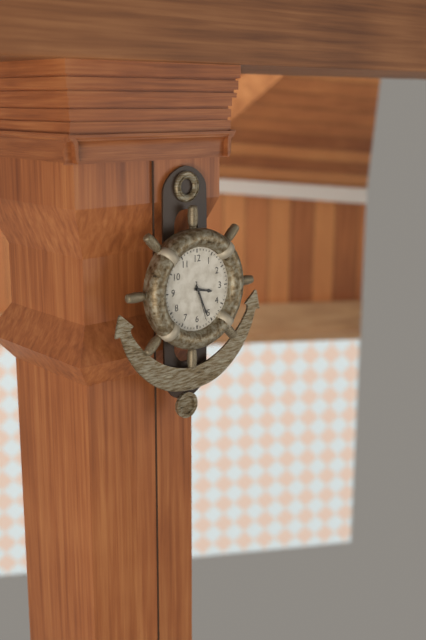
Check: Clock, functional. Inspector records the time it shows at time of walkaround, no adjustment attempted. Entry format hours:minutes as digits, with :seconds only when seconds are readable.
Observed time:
3:26
